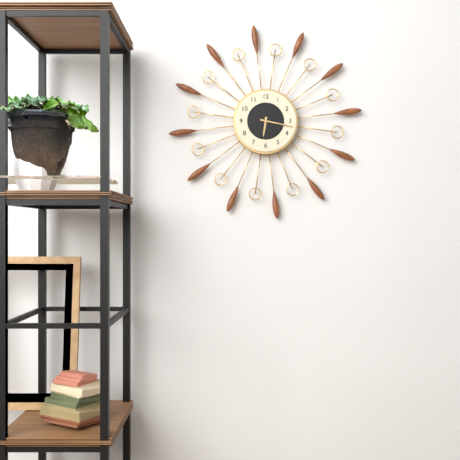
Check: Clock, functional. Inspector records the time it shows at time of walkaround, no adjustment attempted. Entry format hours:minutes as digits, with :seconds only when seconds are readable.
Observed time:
6:17
